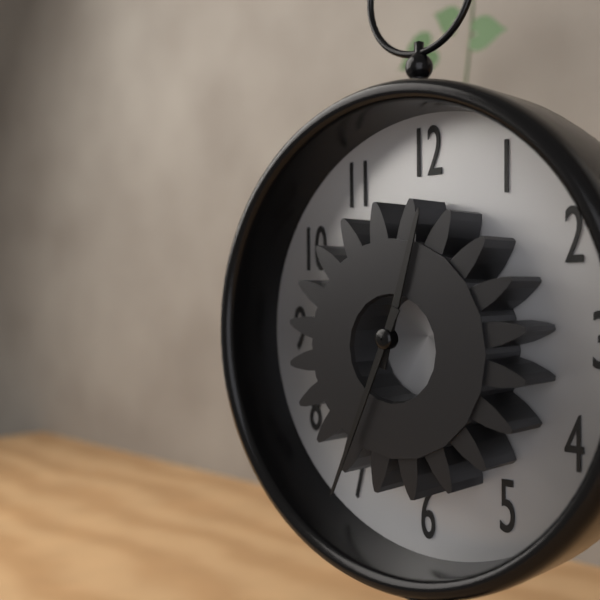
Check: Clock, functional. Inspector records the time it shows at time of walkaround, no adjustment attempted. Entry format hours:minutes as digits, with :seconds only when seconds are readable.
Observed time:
12:34
